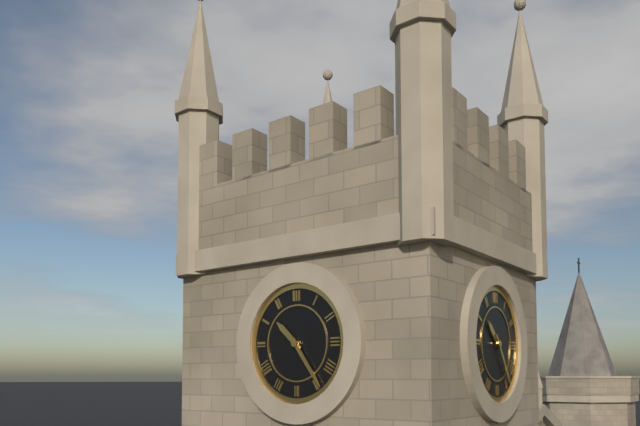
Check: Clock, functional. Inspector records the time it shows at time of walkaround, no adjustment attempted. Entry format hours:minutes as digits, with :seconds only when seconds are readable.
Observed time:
10:24
